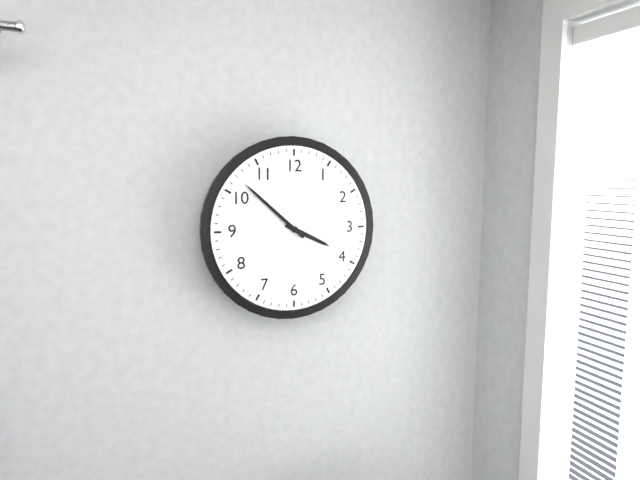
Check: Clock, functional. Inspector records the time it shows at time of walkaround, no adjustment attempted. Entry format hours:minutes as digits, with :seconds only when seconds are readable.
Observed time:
3:52
